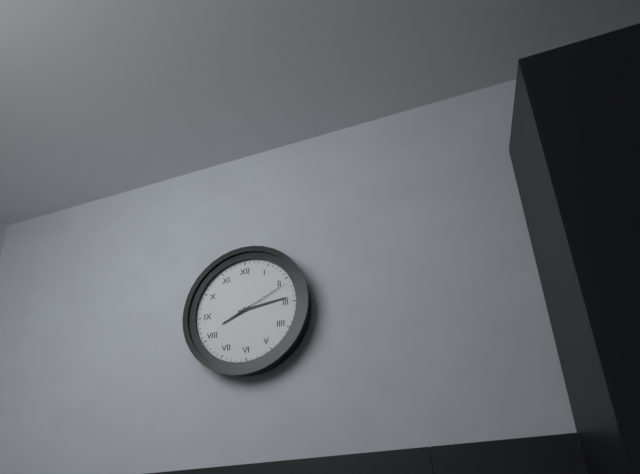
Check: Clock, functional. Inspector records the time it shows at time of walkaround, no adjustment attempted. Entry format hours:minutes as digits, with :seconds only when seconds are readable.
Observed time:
8:14:11
